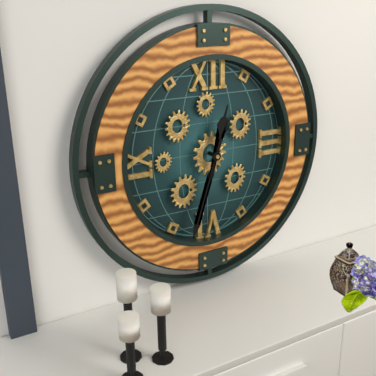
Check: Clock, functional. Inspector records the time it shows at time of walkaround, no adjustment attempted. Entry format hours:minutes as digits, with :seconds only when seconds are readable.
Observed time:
12:33
